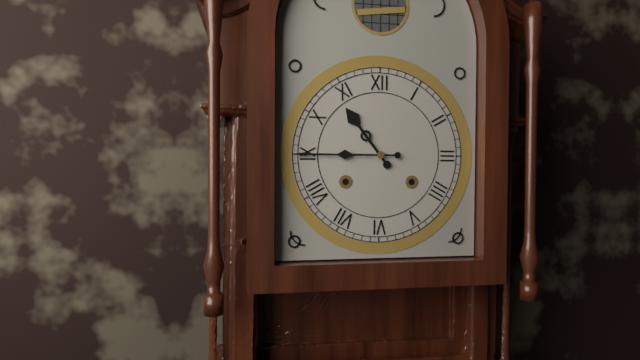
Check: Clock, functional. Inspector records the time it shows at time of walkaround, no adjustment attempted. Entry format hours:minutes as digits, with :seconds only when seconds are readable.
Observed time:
10:45
